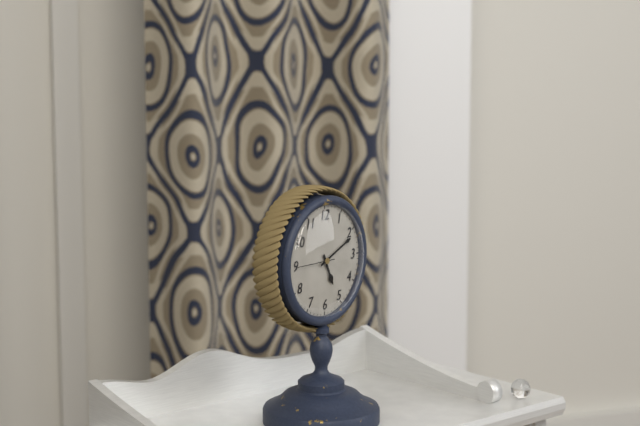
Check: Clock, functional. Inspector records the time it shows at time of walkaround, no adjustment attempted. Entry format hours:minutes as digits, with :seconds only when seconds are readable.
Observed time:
5:11
